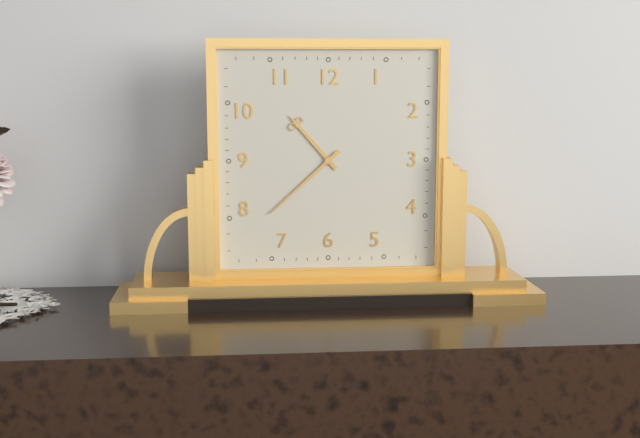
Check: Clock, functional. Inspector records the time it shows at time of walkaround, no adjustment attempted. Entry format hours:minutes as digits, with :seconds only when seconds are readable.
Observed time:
10:38
